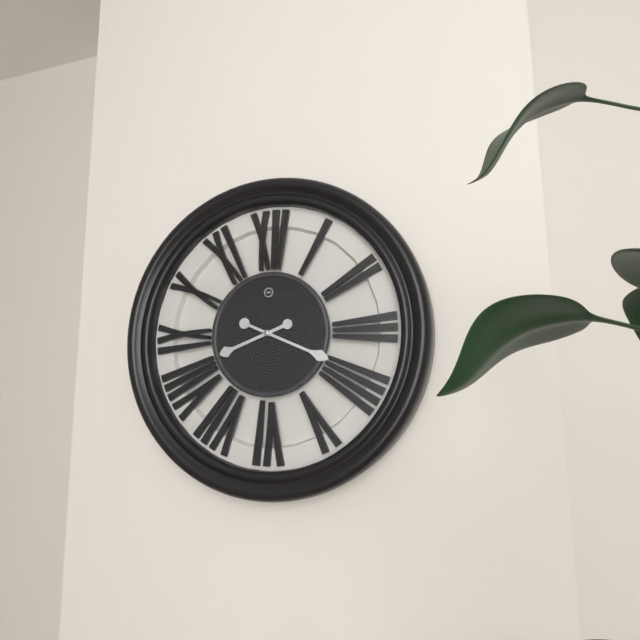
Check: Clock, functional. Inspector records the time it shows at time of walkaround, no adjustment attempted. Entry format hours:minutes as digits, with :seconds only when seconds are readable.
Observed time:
8:19
